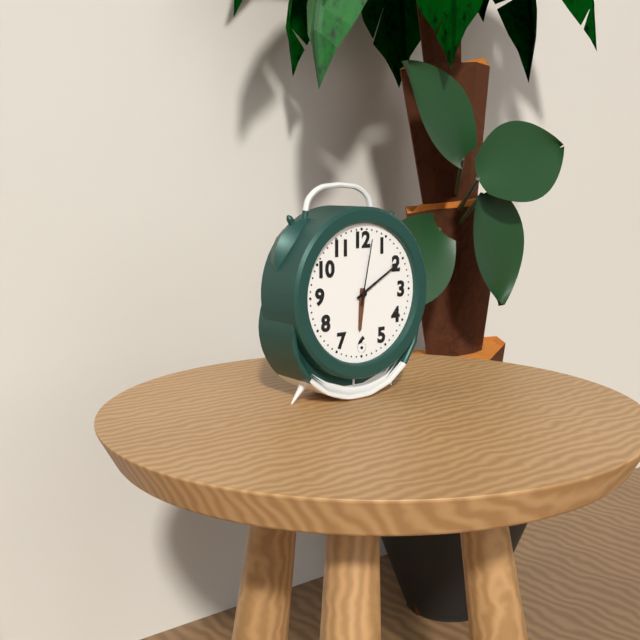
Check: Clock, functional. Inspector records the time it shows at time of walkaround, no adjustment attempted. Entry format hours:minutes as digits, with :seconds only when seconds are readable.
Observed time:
6:10:02
